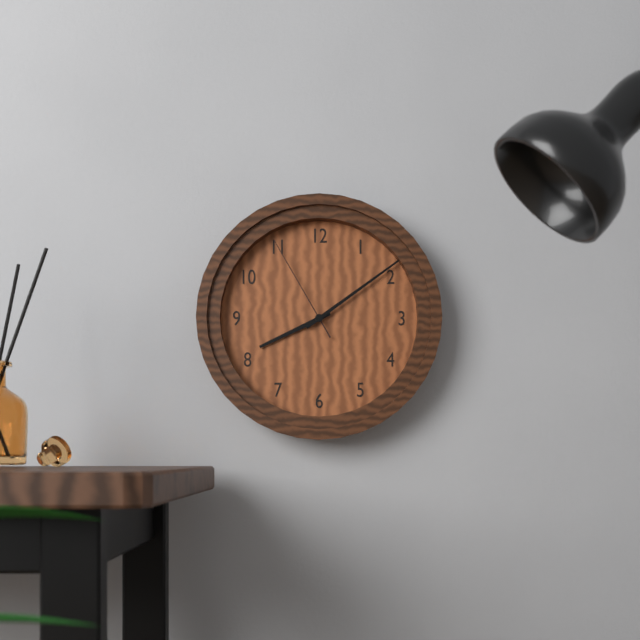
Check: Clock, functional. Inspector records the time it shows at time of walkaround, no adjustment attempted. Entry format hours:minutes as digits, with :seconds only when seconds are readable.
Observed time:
8:09:55
